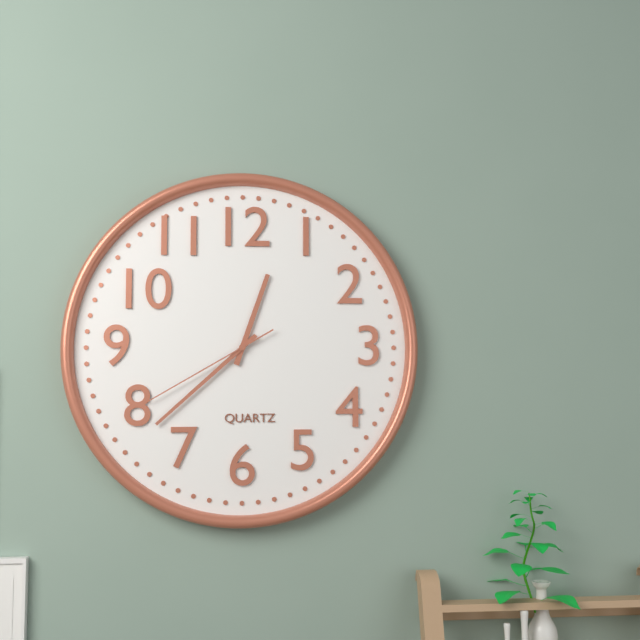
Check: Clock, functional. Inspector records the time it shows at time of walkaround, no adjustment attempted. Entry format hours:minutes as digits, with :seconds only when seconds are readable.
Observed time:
12:38:40
